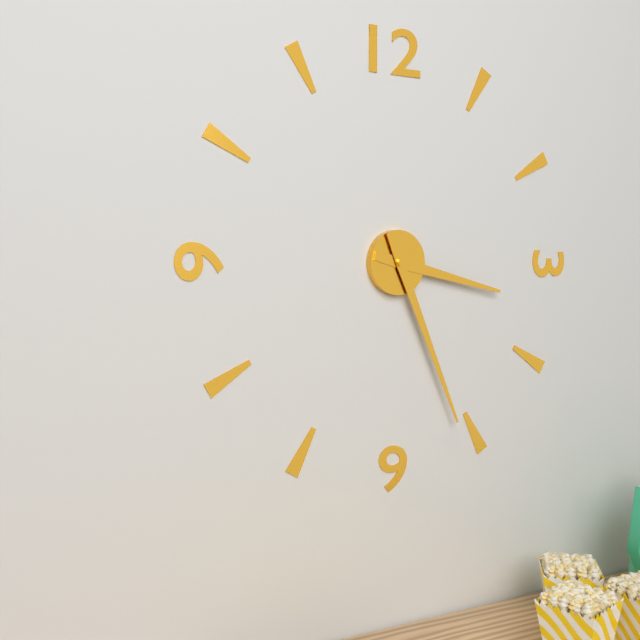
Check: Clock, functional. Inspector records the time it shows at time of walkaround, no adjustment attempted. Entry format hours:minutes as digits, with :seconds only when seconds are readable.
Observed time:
3:26
